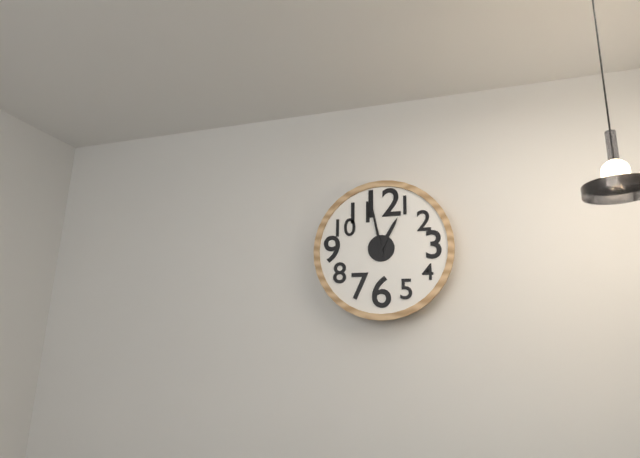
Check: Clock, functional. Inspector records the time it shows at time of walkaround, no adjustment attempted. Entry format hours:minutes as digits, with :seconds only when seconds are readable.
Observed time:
12:58
